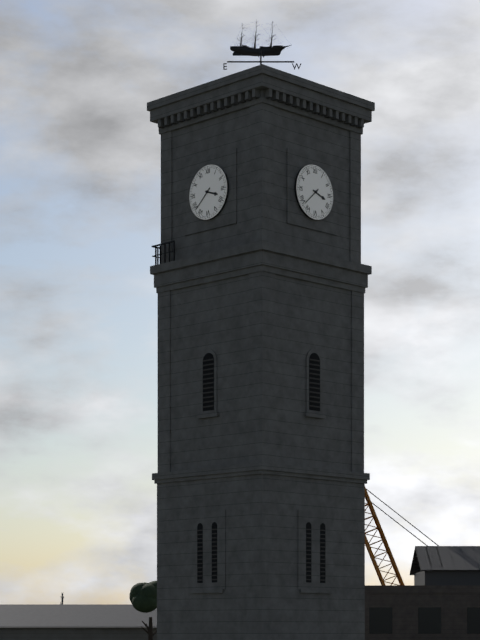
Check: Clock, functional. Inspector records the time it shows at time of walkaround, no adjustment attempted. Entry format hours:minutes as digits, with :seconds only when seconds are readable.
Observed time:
3:38
